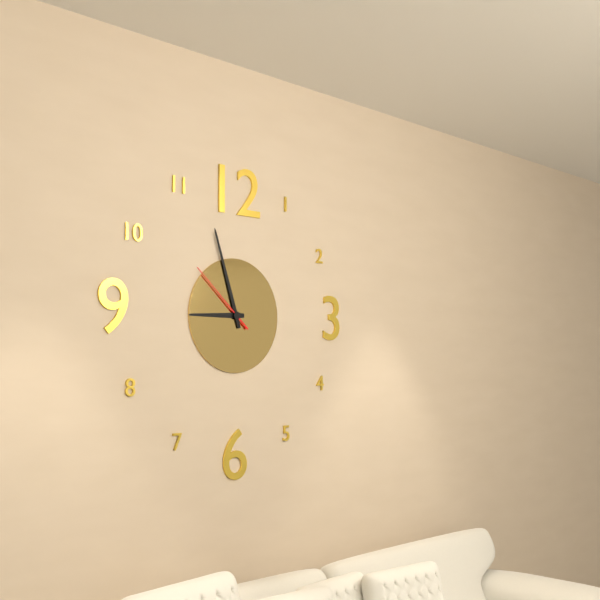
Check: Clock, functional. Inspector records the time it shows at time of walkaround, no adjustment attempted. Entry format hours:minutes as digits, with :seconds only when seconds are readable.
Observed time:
8:57:52
